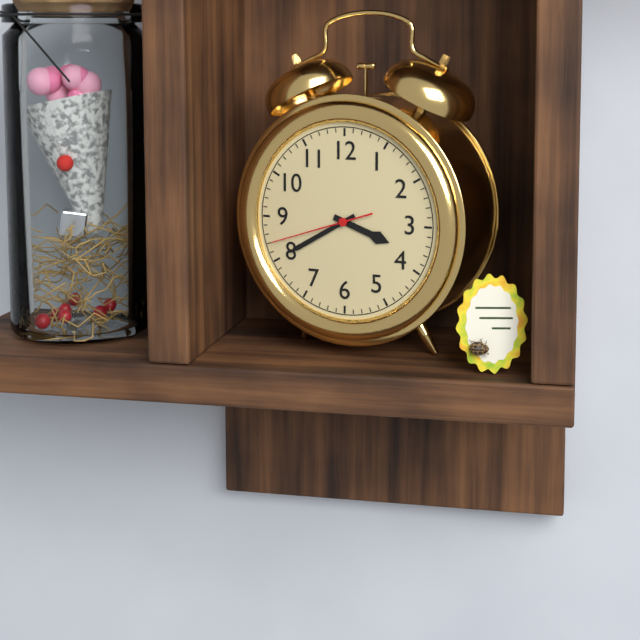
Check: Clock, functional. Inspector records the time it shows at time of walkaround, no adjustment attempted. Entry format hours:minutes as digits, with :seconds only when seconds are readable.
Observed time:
3:40:42
